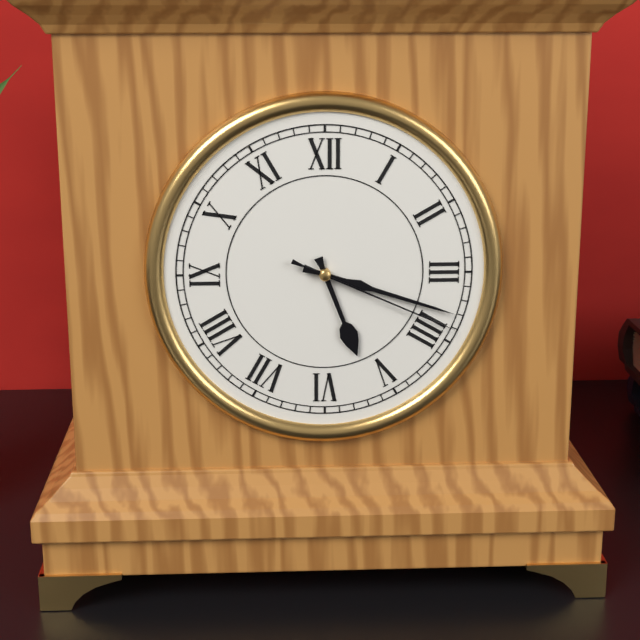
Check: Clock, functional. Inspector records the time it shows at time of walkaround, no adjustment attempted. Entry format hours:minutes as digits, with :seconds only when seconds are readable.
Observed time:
5:18:19
